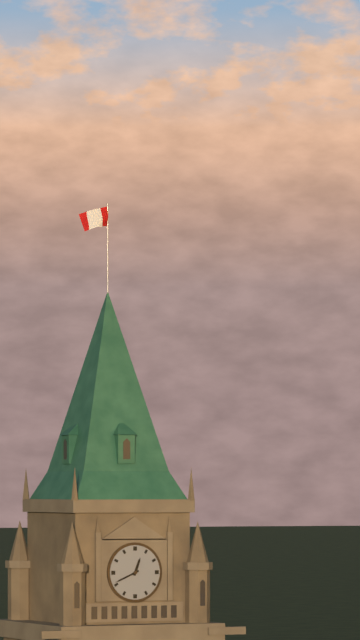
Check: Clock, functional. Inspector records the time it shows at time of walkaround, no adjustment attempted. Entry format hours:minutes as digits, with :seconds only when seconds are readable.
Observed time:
12:41
